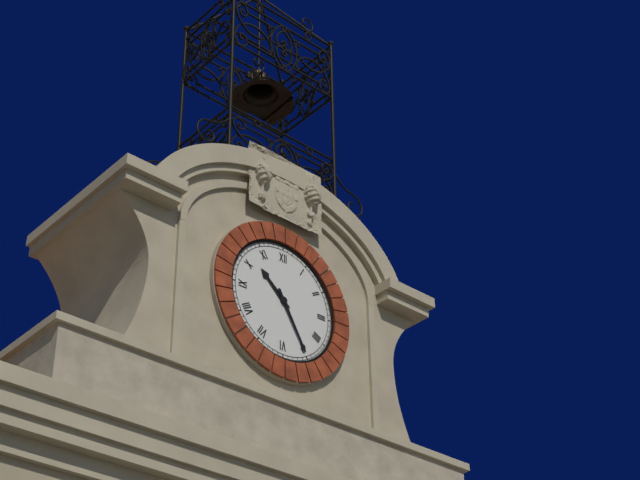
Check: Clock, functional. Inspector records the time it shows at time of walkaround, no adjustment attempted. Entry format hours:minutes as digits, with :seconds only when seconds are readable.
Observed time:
10:25
